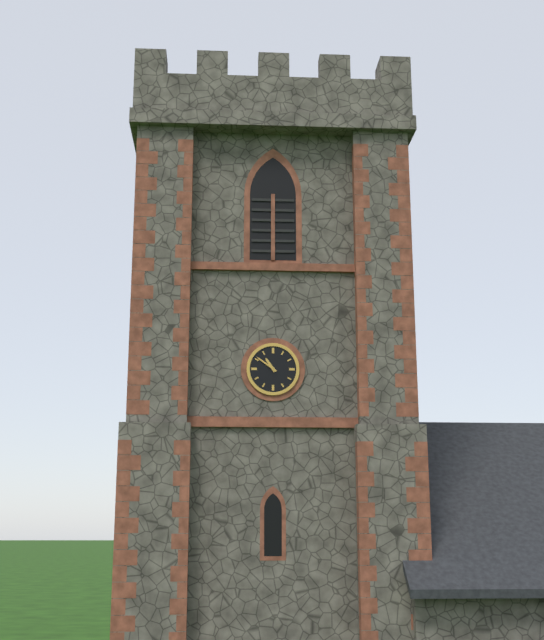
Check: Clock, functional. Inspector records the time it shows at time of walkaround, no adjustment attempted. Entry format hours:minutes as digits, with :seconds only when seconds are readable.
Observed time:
10:51
